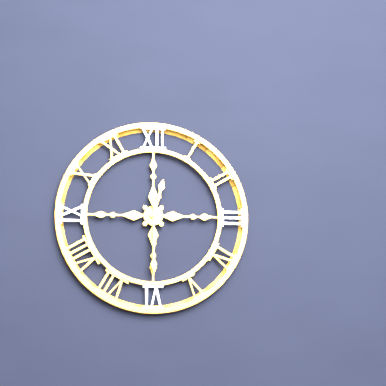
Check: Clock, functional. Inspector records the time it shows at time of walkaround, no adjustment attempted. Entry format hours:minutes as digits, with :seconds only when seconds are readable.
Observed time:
12:30
